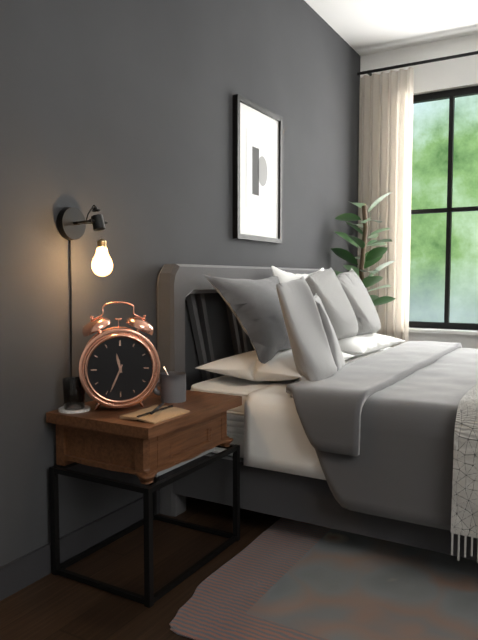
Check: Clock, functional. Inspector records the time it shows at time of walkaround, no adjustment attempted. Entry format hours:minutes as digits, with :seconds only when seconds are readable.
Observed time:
11:34
